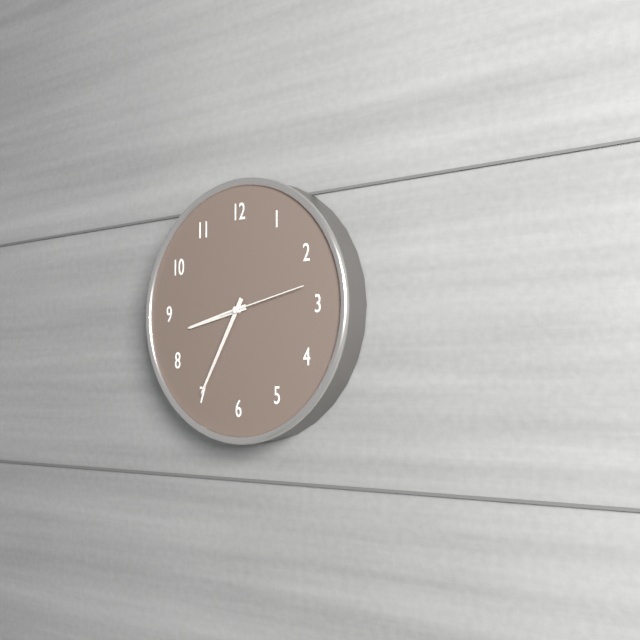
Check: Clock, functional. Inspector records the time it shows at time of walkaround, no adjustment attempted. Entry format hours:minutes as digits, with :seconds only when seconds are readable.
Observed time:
8:35:13
